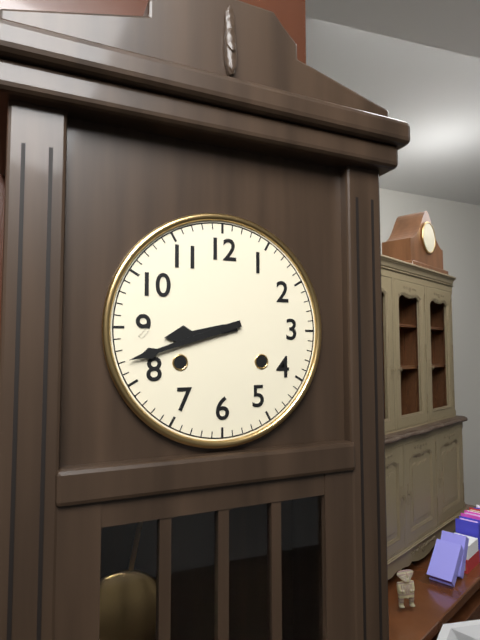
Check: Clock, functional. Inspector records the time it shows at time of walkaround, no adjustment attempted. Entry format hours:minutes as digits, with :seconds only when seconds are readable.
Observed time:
8:42
